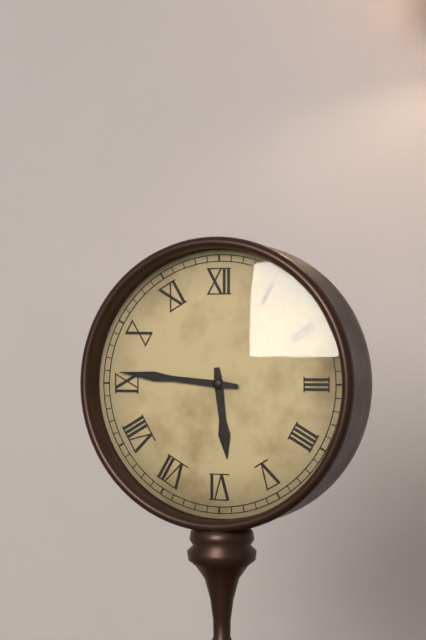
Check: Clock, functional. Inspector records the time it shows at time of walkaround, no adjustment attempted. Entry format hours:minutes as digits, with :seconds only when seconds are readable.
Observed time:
5:46
